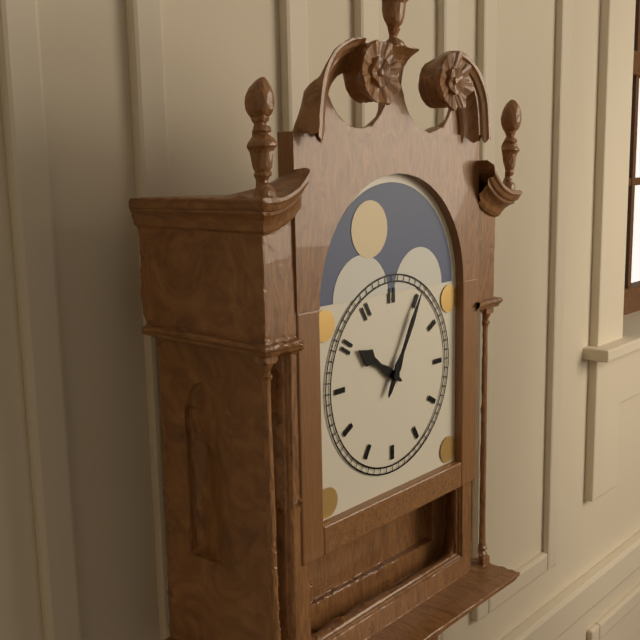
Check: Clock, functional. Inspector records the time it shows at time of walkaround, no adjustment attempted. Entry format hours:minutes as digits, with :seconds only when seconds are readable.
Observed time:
10:05
